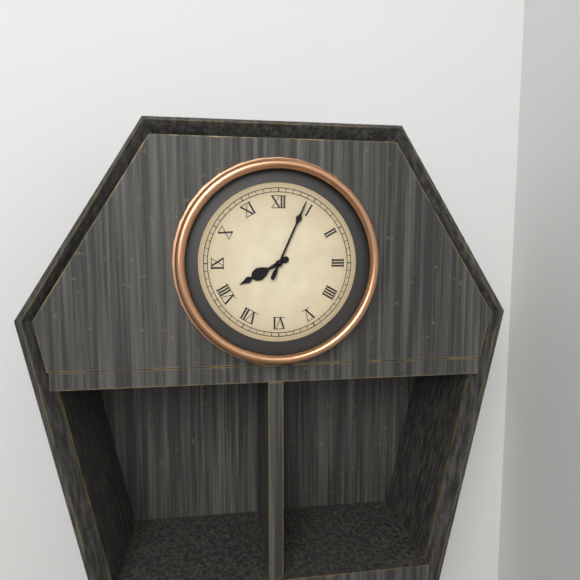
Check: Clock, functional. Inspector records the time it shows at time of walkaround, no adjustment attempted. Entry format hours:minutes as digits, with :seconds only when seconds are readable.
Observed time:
8:04
